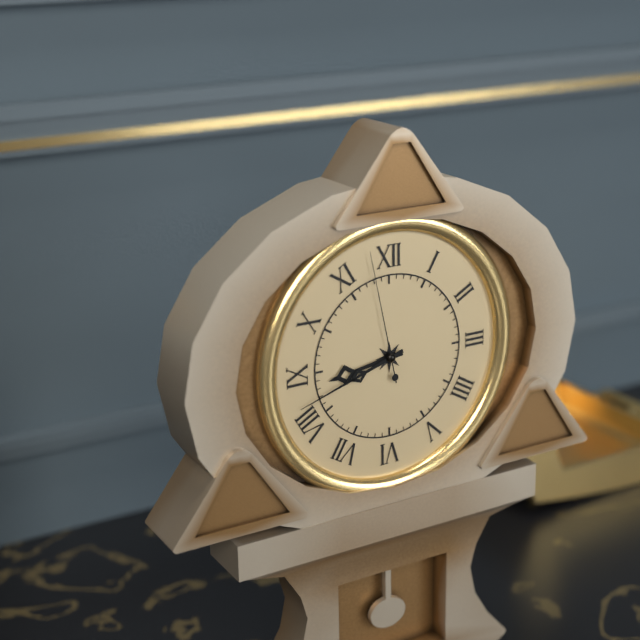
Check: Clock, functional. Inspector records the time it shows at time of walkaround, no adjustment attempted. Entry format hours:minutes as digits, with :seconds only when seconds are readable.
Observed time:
8:42:58
